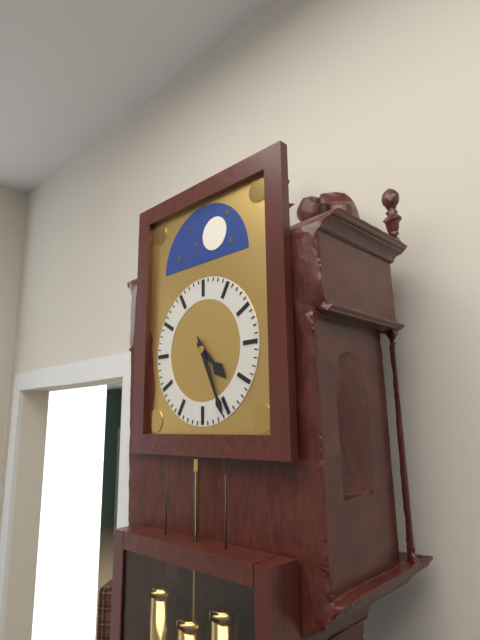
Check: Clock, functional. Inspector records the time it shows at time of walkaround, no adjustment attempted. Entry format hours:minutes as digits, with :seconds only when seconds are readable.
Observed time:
4:26
